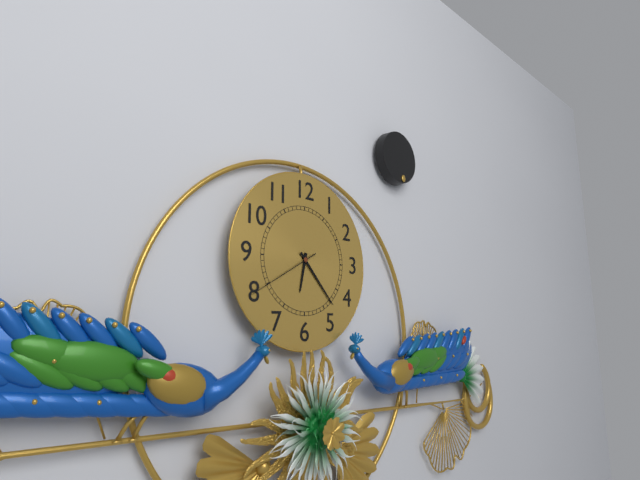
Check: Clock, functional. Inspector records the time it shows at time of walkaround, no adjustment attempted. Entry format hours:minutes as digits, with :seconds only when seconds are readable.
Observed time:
6:23:40
